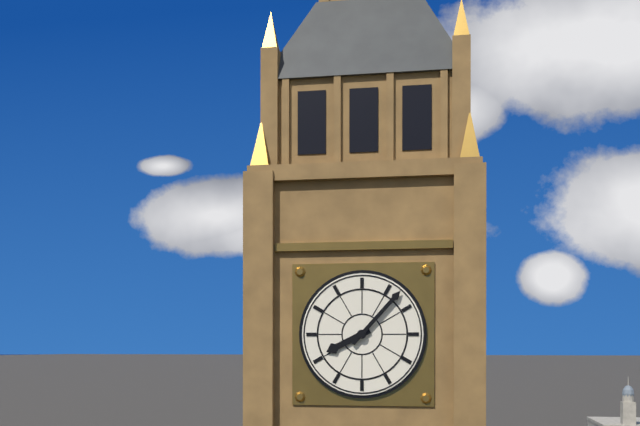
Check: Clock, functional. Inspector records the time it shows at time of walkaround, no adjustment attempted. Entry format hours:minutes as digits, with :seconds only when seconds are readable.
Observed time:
8:07
